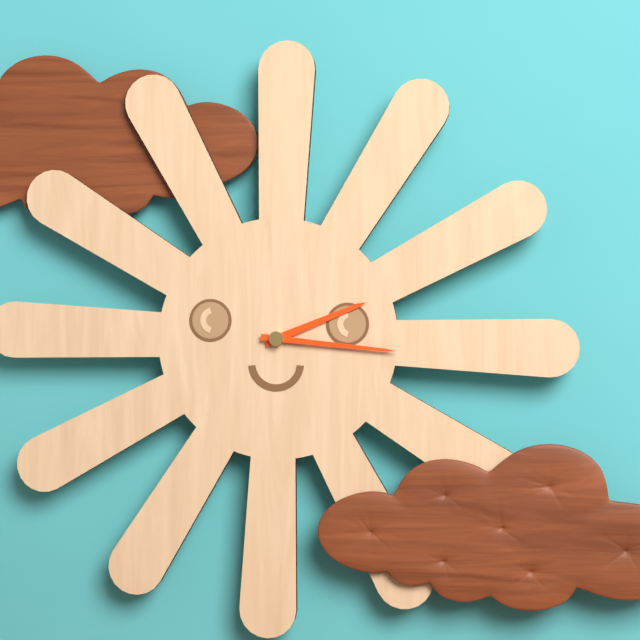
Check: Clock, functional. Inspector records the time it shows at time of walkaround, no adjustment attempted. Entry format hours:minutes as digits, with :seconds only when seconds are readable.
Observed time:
2:16
